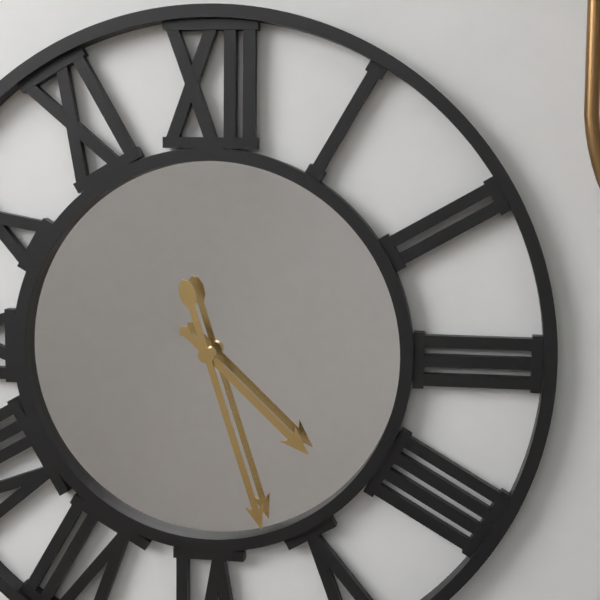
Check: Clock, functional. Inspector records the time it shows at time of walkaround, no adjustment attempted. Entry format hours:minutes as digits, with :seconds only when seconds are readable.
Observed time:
4:27
